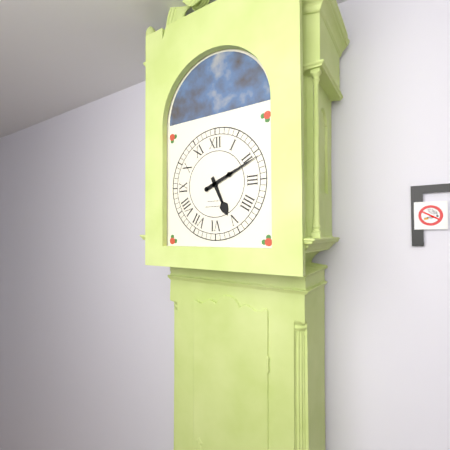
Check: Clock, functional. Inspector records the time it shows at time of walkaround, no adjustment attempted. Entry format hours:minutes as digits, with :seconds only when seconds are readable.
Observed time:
5:11
